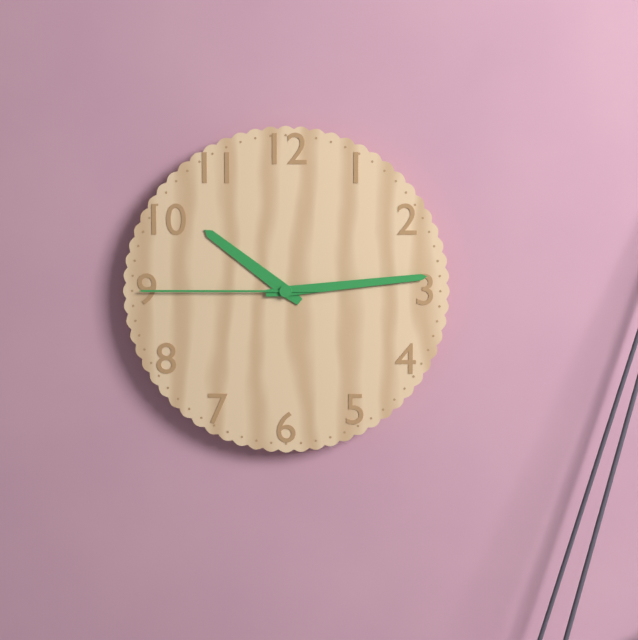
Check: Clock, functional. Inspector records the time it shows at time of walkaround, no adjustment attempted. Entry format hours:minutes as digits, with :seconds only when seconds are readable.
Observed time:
10:14:45
